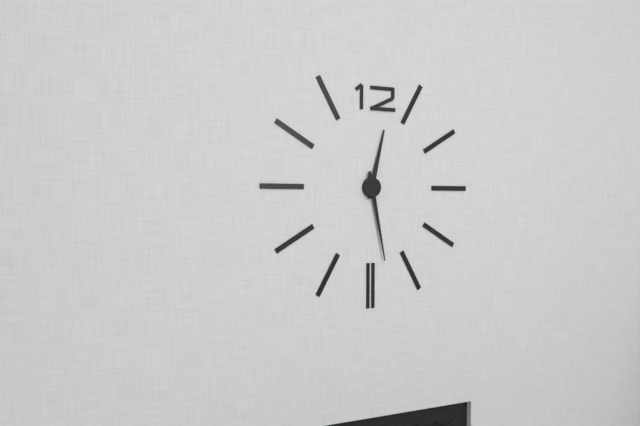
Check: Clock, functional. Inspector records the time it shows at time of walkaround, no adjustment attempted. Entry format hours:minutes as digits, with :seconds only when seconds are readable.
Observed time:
12:28
